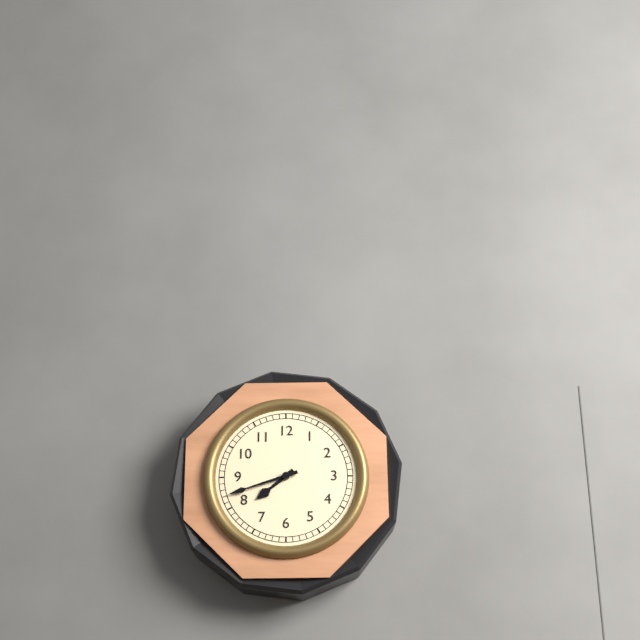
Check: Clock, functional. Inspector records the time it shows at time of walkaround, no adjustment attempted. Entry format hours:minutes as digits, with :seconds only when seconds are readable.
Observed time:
7:42
